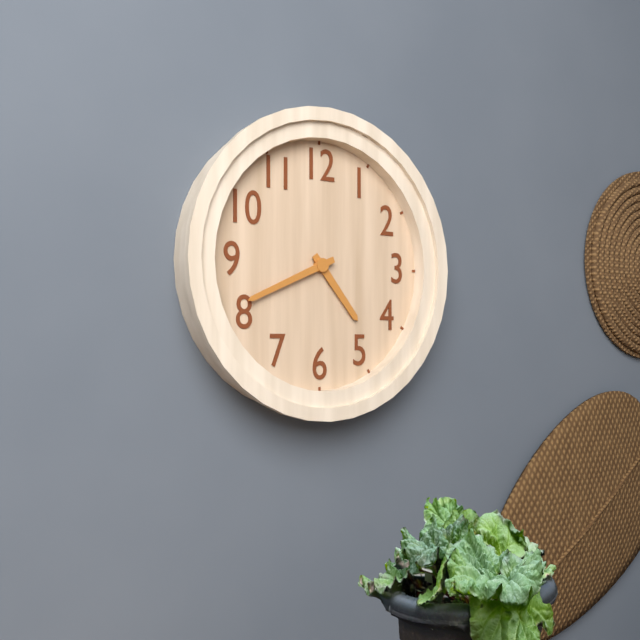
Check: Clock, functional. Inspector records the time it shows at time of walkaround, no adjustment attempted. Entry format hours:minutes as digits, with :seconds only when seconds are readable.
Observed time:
4:41
